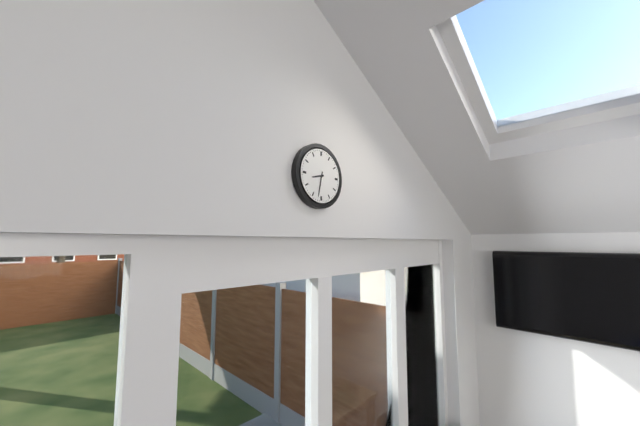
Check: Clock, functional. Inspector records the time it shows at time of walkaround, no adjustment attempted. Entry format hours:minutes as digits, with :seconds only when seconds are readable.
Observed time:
8:32
